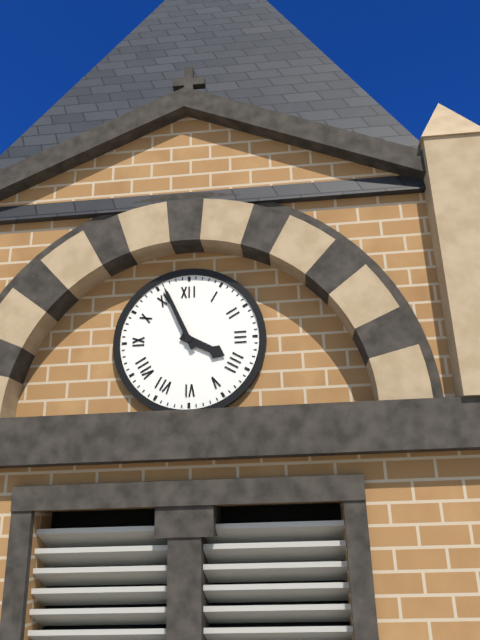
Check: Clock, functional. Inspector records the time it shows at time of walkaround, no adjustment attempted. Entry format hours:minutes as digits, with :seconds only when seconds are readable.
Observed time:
3:56
